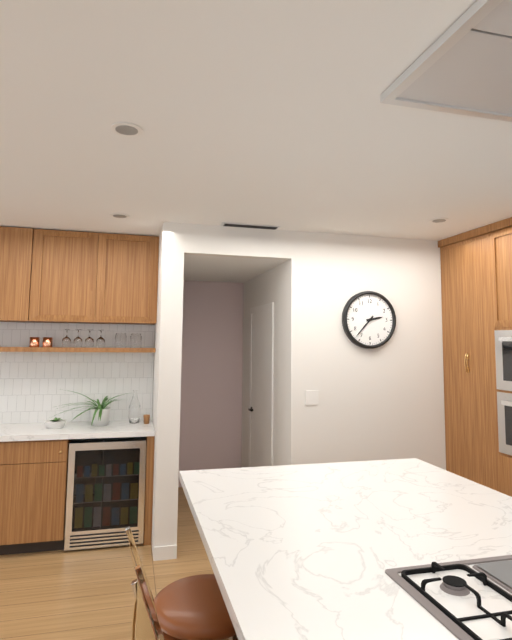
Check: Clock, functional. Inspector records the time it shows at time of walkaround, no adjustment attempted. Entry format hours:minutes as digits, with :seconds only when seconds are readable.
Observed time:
2:37
